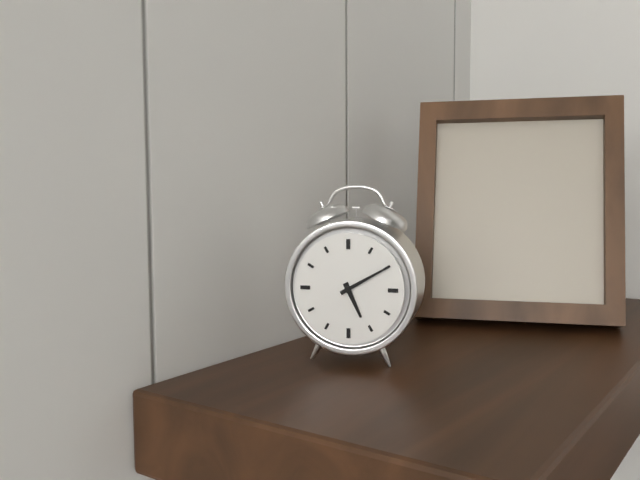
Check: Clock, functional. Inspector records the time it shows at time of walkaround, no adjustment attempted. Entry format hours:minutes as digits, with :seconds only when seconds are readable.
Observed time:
5:10
